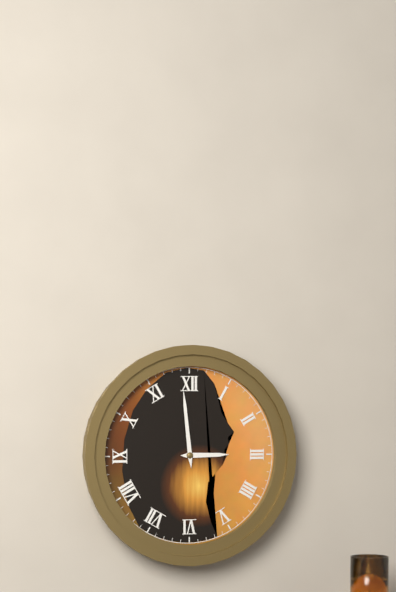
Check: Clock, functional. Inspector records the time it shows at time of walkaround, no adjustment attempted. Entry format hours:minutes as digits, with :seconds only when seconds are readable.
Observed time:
2:59
